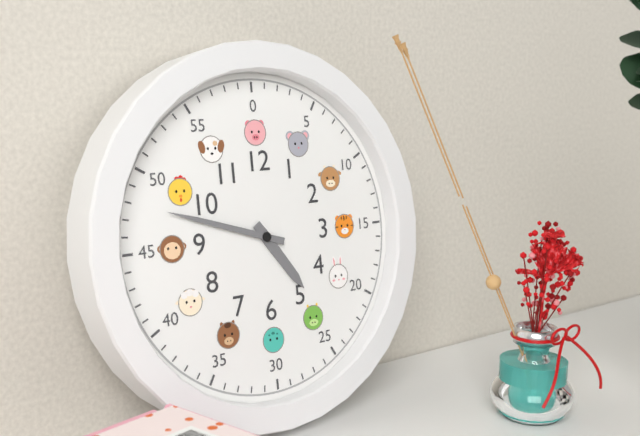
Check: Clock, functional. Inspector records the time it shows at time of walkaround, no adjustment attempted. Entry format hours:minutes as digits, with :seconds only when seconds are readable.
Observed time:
4:48
